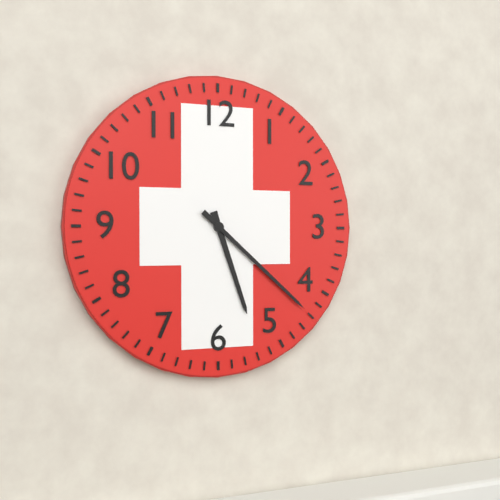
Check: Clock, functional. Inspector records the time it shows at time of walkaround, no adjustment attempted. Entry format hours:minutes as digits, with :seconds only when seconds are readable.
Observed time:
5:22
